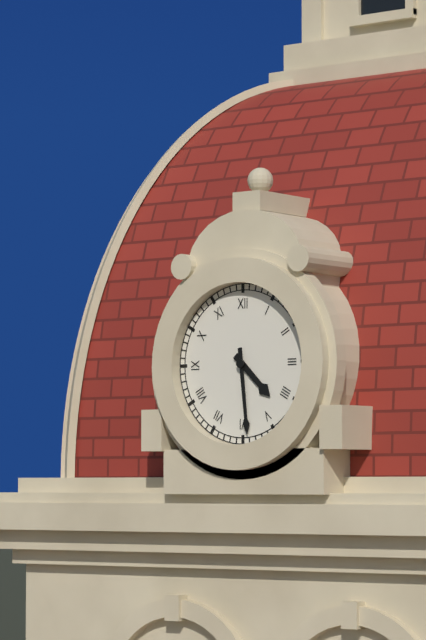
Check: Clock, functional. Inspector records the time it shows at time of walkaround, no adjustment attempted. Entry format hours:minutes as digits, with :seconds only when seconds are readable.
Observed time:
4:29
